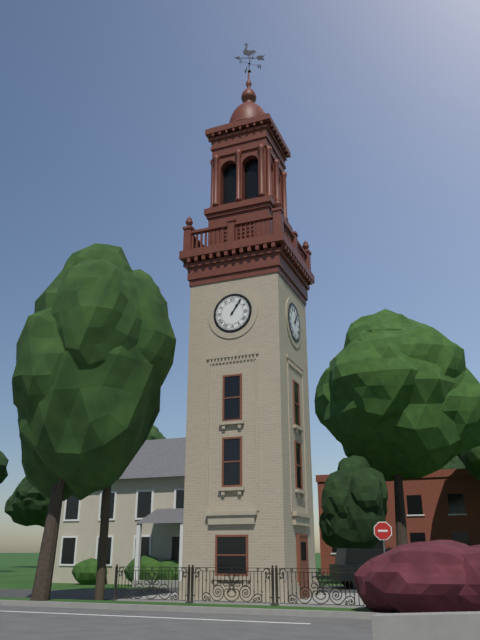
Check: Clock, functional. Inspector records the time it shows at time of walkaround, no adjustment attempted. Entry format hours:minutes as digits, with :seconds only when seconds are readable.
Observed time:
1:06
